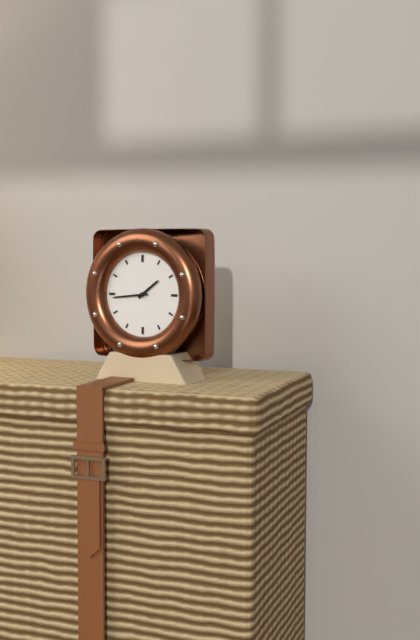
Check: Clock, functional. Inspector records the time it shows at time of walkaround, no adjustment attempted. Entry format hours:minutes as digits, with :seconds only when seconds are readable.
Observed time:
1:44
